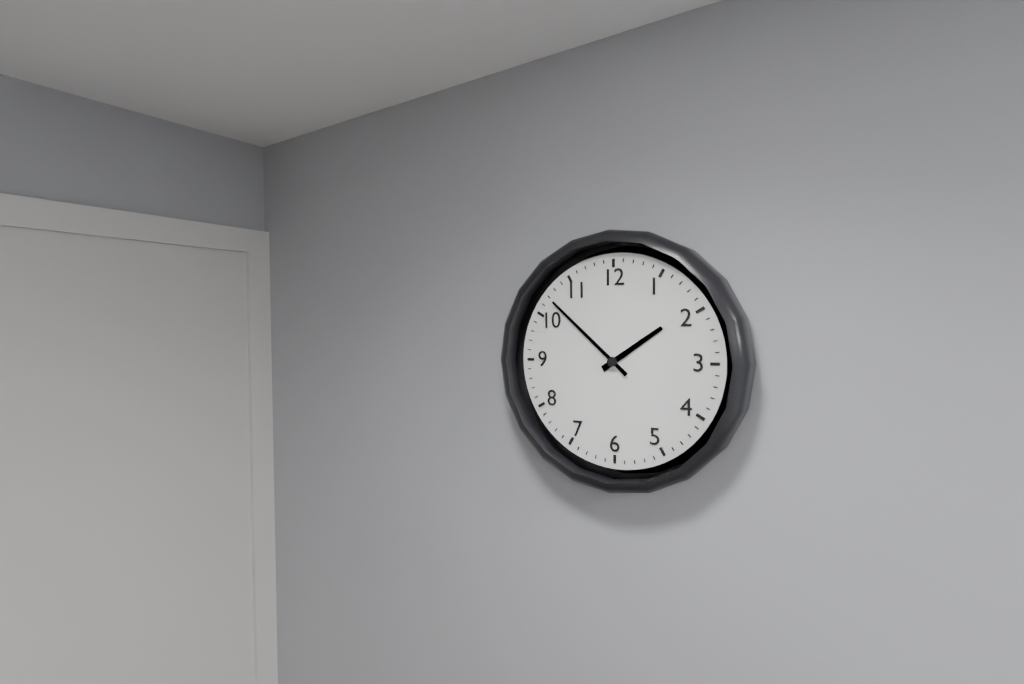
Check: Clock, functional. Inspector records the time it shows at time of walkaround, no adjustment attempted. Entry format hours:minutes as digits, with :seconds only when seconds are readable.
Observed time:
1:52
